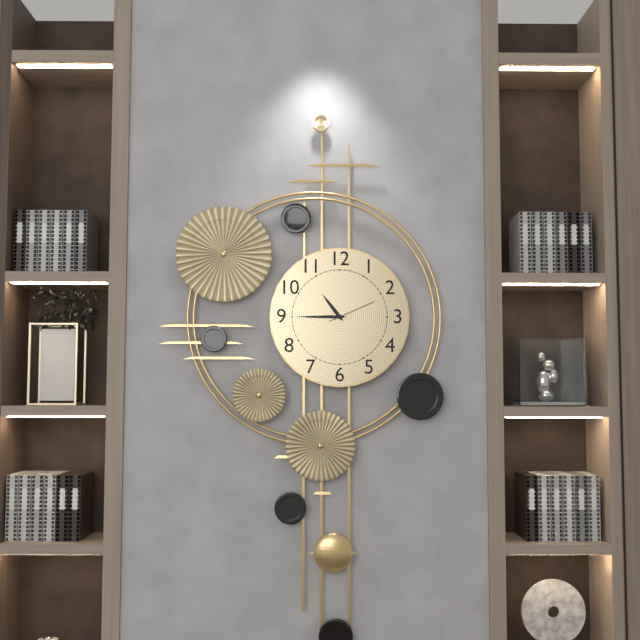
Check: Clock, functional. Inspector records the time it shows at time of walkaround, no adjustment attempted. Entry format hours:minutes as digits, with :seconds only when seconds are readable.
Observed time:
10:45
